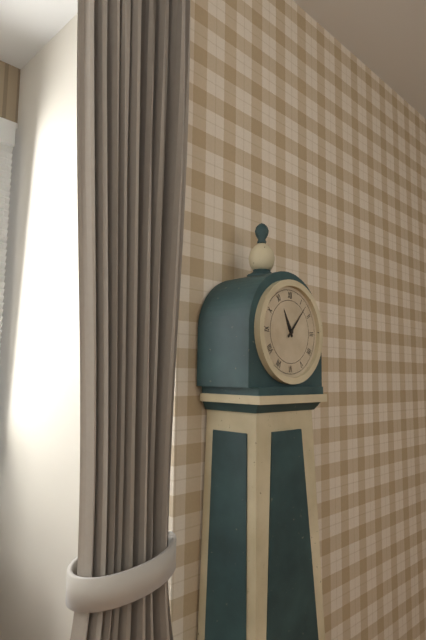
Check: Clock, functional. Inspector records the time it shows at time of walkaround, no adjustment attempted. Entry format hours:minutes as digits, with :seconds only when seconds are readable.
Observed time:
11:07
